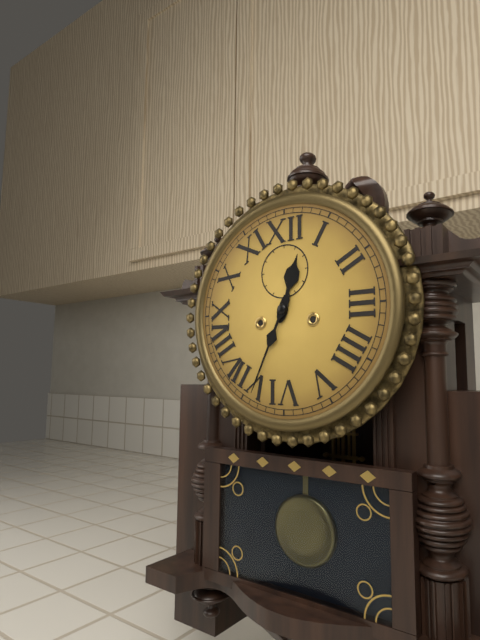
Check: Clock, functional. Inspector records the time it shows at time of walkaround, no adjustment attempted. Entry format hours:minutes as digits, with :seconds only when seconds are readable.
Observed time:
12:34
